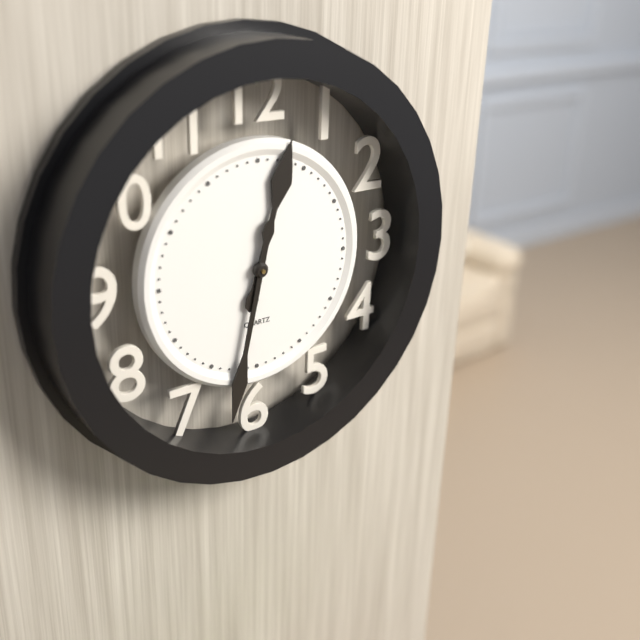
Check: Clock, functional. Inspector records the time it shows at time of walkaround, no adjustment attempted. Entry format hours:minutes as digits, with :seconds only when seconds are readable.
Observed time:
12:32
